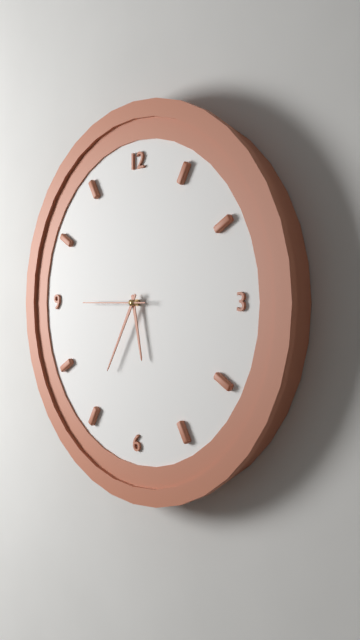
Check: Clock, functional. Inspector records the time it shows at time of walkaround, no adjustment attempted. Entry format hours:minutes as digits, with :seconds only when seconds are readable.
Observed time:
5:35:45
